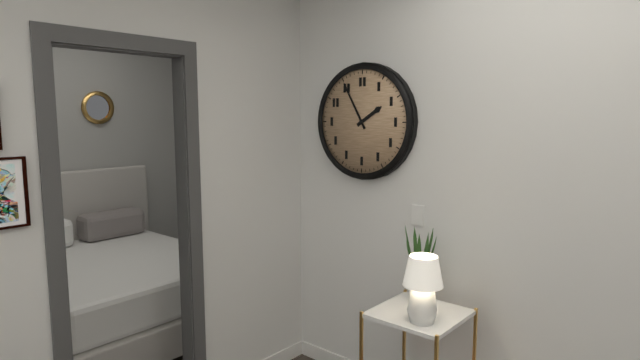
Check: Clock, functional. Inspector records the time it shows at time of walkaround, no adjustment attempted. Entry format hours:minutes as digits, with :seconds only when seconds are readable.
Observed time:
1:55
